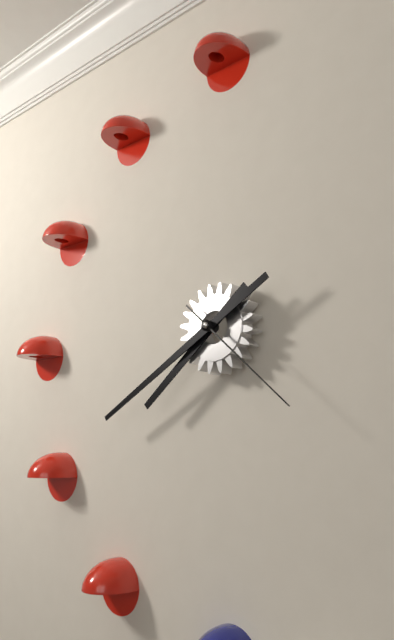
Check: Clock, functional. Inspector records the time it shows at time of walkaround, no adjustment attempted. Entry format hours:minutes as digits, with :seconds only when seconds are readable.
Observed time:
7:40:22
